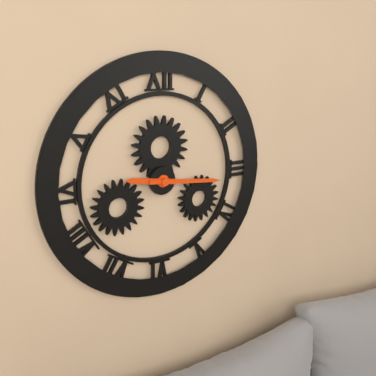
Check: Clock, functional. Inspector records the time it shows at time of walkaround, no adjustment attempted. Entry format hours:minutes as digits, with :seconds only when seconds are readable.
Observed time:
9:16
